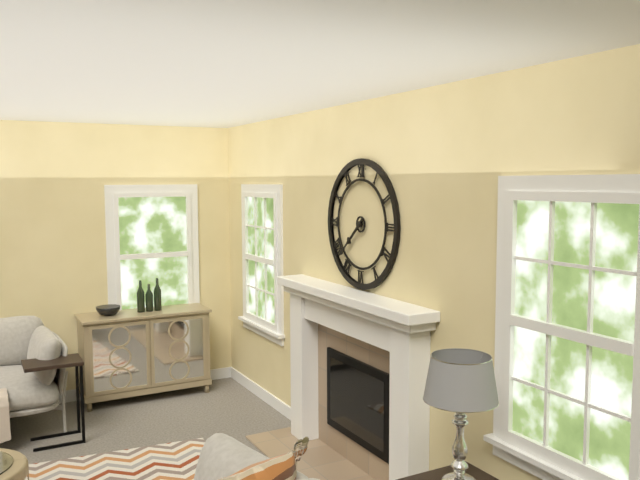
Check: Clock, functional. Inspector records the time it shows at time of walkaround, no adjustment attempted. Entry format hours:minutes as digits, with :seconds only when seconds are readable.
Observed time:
7:38
